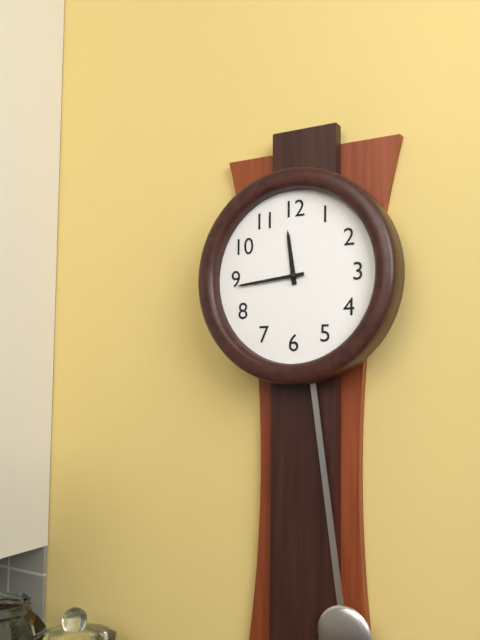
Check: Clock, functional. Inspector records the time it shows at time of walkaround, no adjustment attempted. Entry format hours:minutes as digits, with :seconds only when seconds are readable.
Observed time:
11:44
